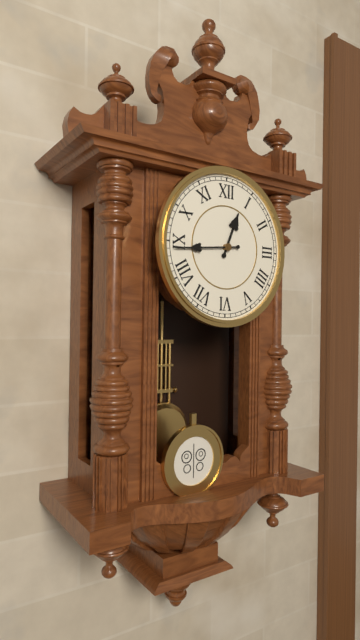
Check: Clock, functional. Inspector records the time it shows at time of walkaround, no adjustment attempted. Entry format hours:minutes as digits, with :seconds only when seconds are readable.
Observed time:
12:44
